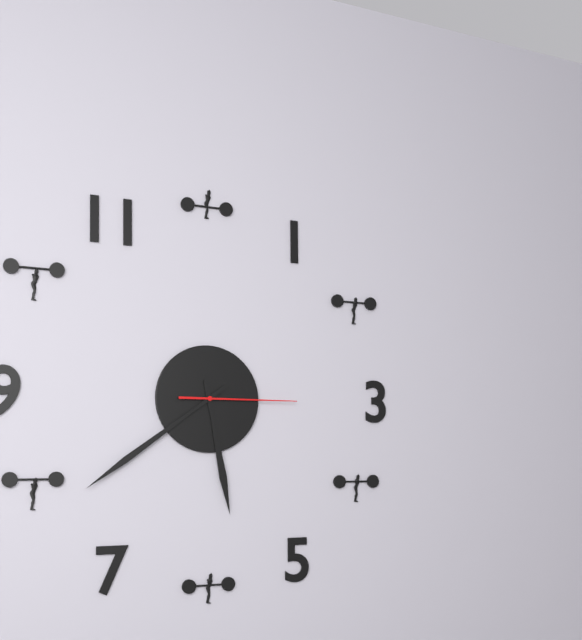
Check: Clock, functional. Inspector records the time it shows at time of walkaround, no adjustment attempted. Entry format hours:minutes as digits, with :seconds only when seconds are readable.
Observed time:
5:39:15
